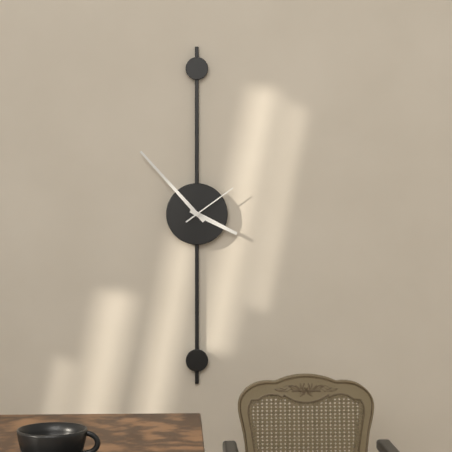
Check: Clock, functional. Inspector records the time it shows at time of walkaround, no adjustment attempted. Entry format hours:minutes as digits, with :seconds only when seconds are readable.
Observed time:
3:53:09
